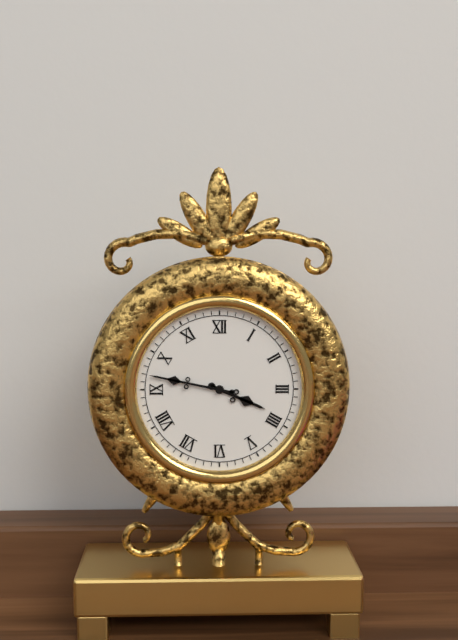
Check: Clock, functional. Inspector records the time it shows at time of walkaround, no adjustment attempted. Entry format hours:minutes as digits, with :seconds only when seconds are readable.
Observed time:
3:47
